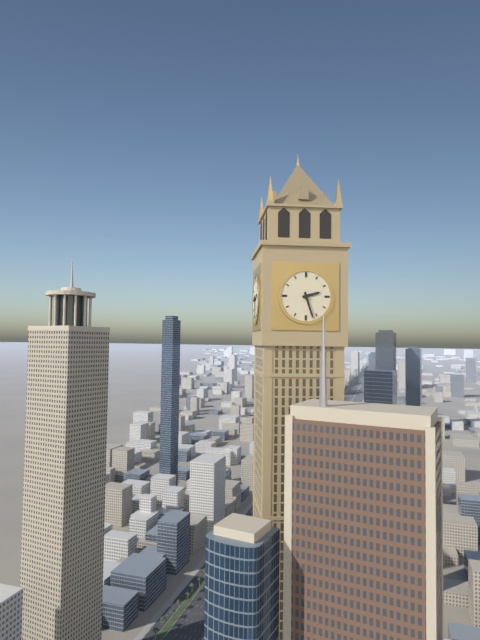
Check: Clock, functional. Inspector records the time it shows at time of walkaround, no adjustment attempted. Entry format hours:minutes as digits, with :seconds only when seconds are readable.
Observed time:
2:27
